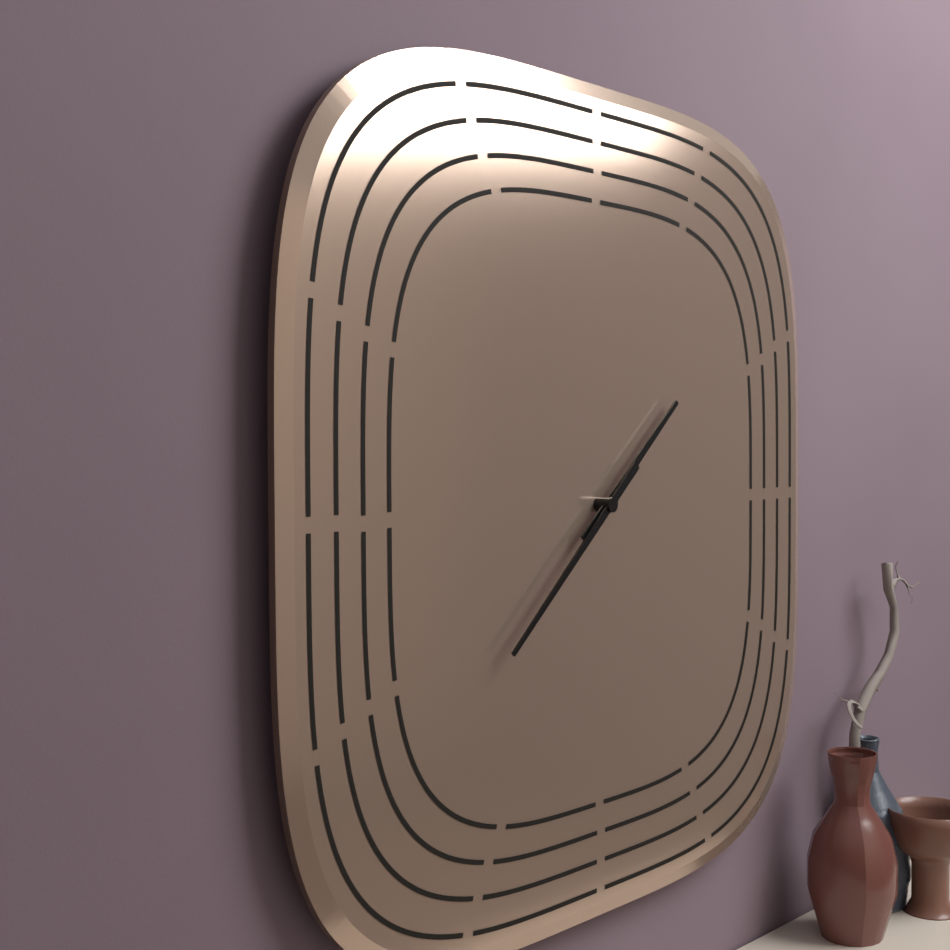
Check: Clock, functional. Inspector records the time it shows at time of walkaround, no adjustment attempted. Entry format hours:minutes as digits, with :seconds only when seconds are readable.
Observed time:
1:38
